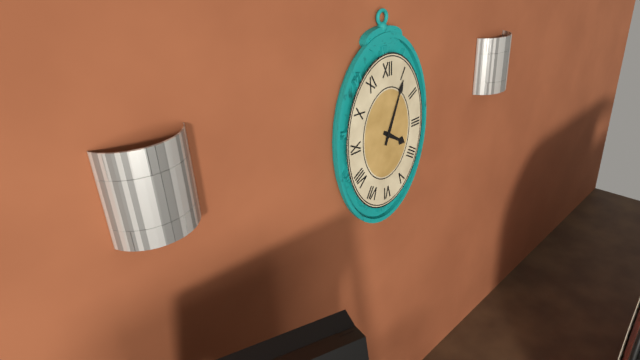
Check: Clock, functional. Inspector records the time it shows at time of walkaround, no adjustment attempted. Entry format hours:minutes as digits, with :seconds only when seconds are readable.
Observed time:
4:04
